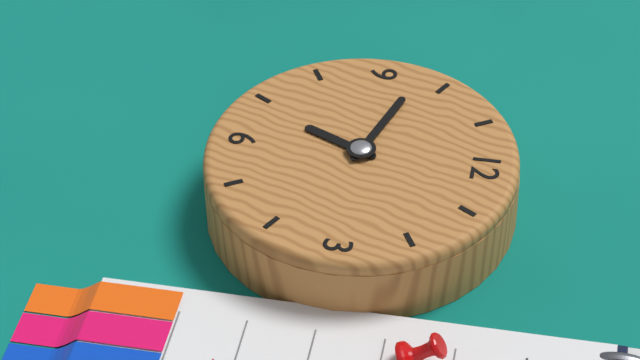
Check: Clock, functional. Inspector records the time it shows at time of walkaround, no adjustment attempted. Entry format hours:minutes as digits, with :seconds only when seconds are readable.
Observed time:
6:48
